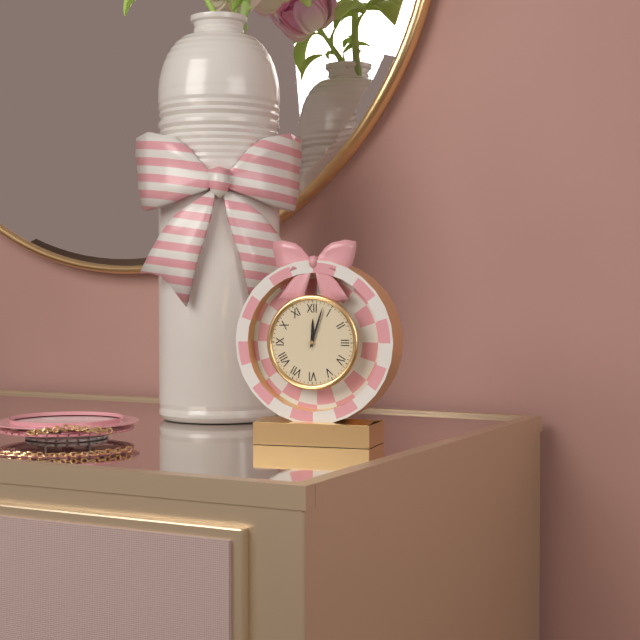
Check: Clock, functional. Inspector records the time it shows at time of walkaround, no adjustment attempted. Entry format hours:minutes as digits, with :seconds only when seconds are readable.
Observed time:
12:03
